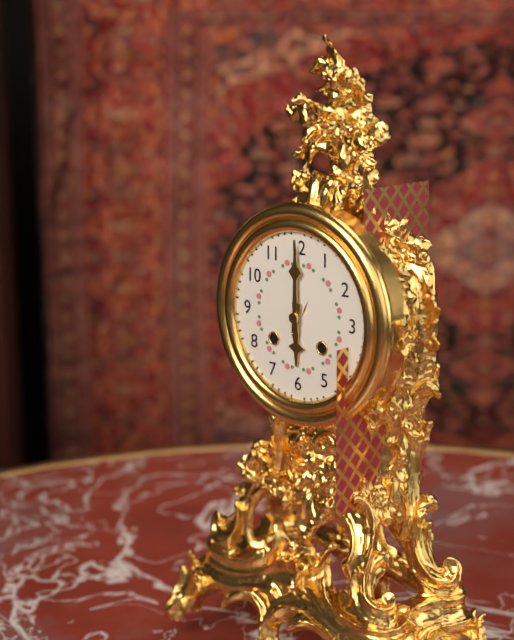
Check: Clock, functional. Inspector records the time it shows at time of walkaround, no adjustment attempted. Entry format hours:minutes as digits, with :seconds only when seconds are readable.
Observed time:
6:00
